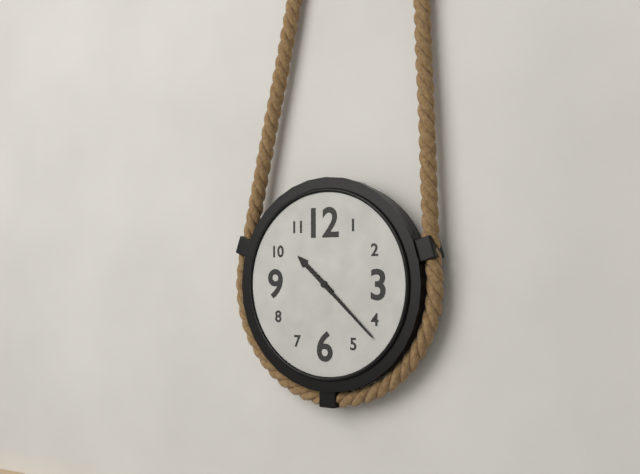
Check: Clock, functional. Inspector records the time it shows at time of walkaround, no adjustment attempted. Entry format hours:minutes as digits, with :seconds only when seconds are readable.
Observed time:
10:22
